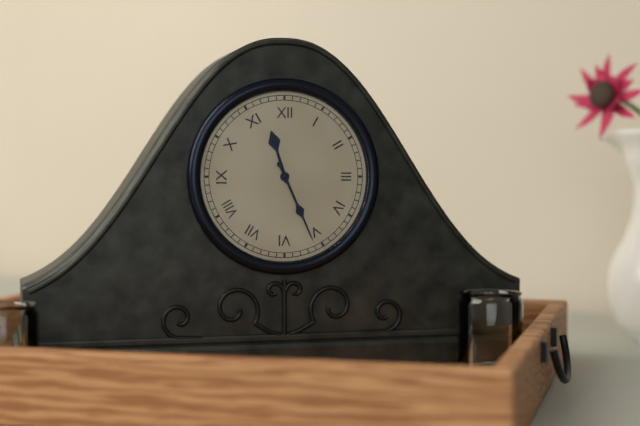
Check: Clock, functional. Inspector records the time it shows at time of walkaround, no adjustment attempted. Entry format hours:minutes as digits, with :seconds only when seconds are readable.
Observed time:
11:26
